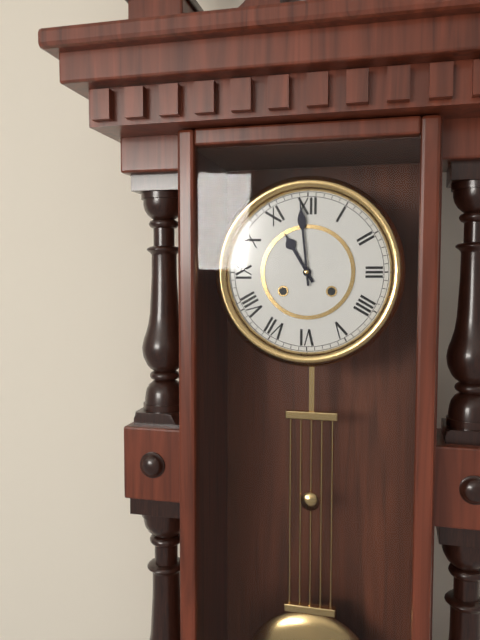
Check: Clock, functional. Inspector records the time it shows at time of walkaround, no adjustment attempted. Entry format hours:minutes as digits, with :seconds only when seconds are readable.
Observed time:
10:59
